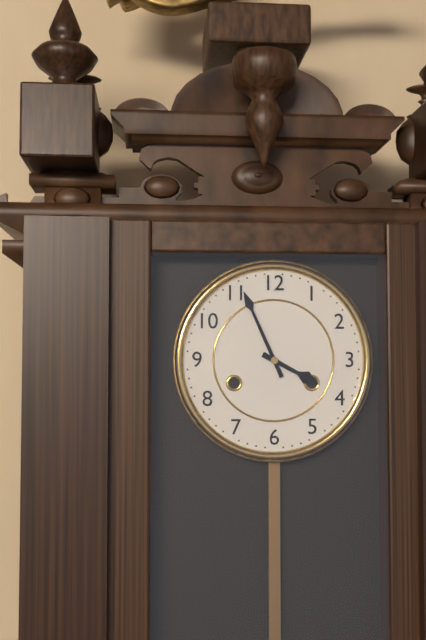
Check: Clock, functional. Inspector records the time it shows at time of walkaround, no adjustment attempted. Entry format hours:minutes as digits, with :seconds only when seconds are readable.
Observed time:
3:56
